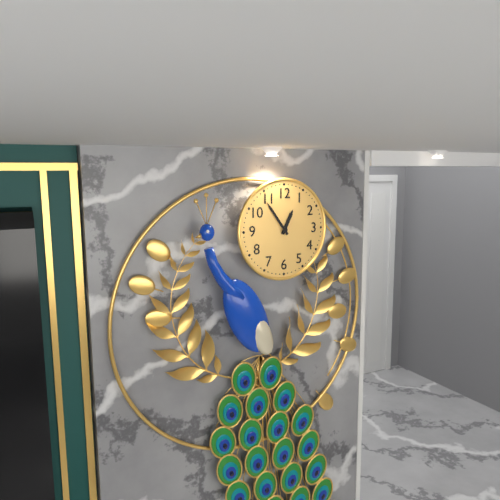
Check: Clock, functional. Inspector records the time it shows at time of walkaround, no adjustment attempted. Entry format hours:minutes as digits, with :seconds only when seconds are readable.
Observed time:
12:54
